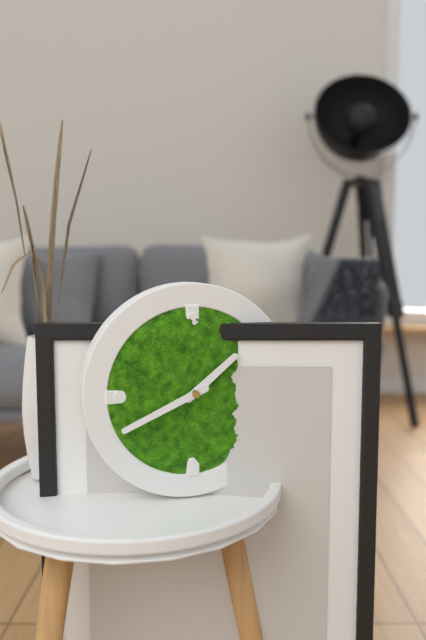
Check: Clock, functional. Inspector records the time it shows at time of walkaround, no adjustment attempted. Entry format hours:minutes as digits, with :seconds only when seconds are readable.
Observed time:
1:41
